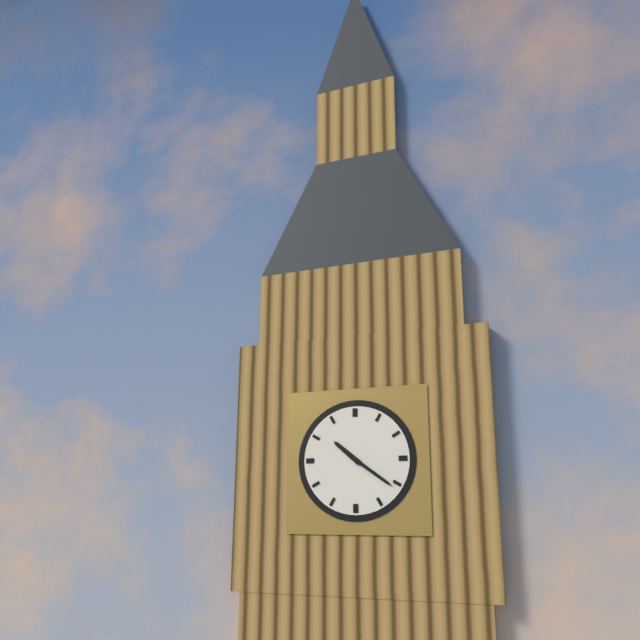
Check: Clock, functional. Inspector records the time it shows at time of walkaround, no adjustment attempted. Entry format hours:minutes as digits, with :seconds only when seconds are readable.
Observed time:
10:21
